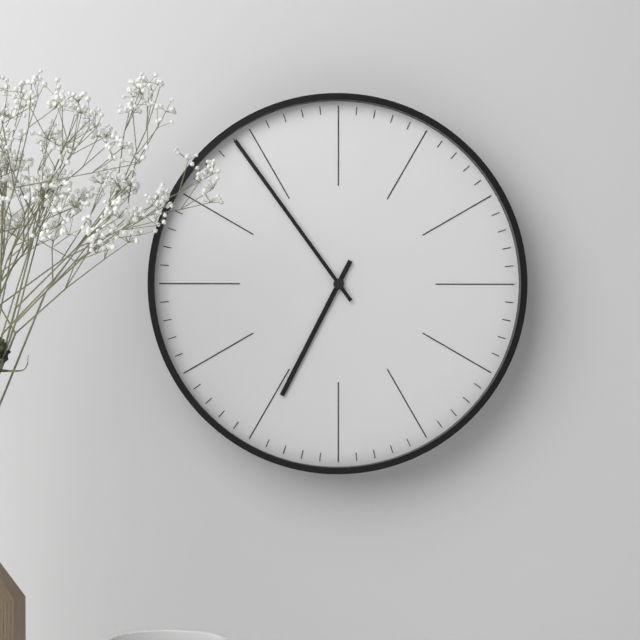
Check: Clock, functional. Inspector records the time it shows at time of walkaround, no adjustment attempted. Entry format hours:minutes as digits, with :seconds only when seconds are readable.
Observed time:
6:54
